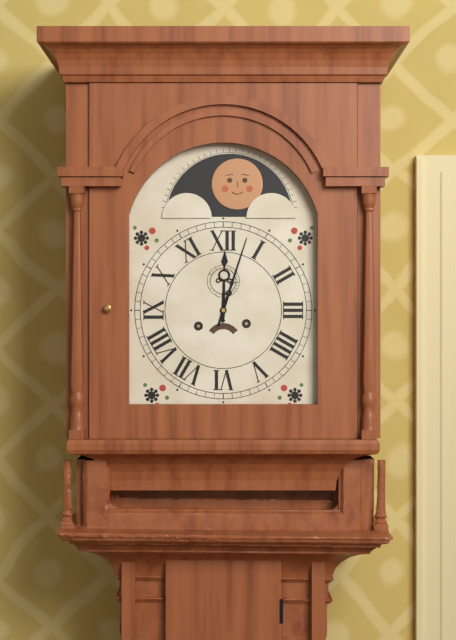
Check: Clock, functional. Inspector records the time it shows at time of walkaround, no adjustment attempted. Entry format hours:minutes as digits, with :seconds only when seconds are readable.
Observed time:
12:03
